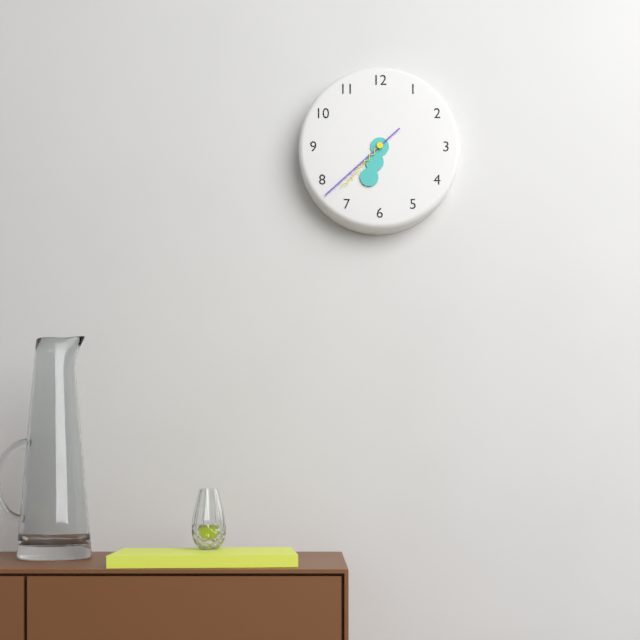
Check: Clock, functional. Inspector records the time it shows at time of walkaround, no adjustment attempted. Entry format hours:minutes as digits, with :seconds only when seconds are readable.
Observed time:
6:38:37
